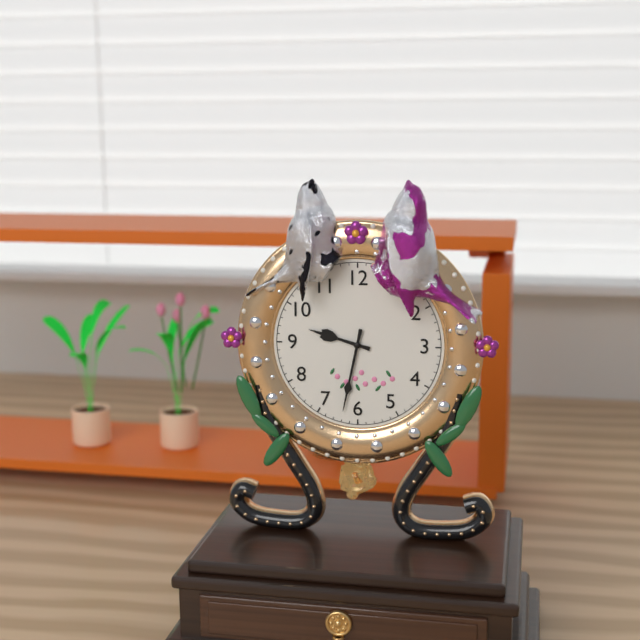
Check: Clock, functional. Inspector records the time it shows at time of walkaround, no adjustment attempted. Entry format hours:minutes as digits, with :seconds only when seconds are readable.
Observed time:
9:32
